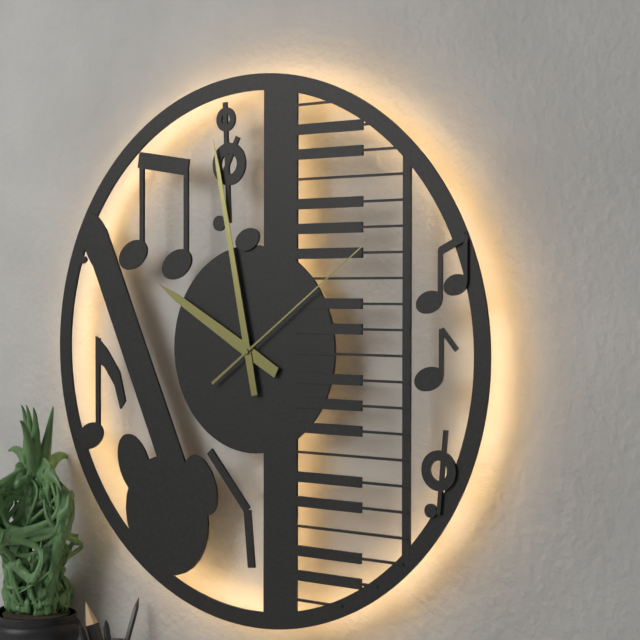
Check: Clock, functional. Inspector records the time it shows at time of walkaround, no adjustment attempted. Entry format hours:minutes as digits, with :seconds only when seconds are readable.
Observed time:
9:58:09
